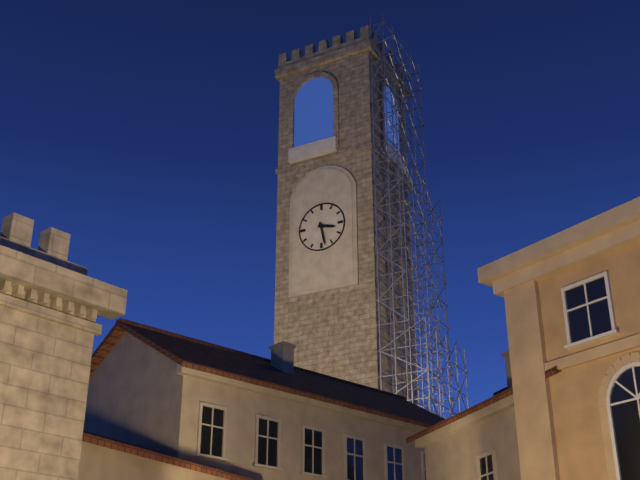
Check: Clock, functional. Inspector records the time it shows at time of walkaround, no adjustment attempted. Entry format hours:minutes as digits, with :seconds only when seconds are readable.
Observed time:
3:28
